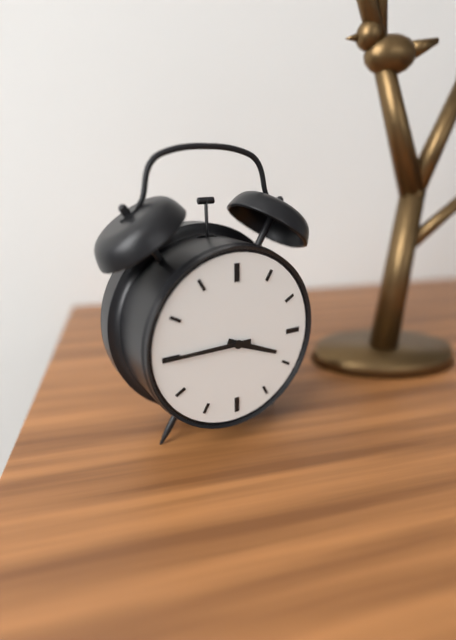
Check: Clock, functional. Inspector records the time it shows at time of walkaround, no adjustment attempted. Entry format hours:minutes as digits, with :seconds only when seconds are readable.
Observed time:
3:45
